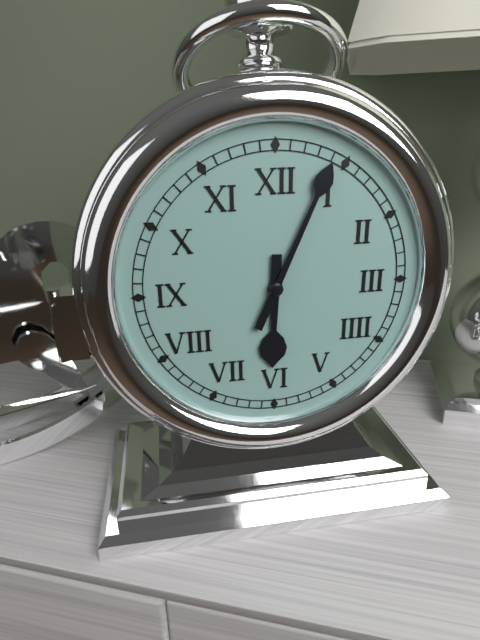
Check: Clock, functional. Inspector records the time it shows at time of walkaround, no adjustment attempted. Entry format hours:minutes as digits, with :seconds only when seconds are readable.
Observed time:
6:04
